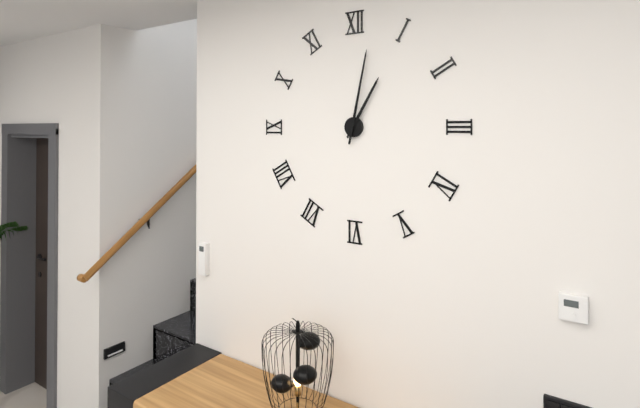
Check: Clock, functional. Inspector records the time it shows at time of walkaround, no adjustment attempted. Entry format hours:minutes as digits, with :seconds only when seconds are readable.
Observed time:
1:02
